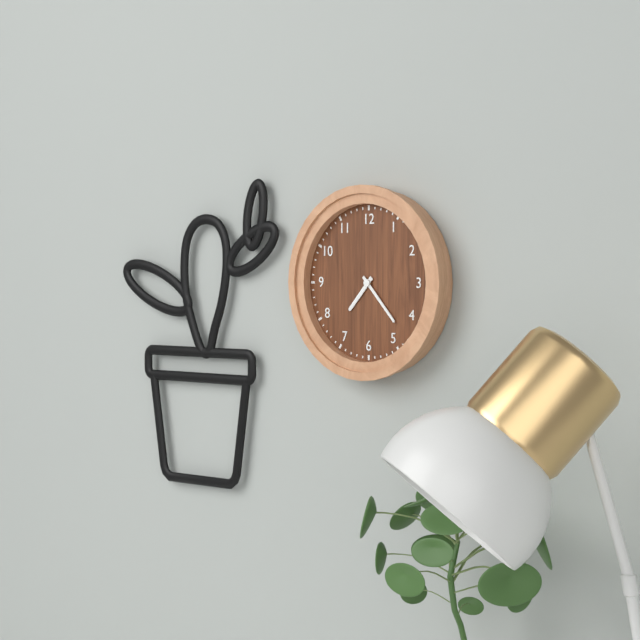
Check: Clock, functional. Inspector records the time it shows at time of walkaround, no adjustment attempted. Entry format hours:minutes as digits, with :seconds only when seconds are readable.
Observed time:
7:23
